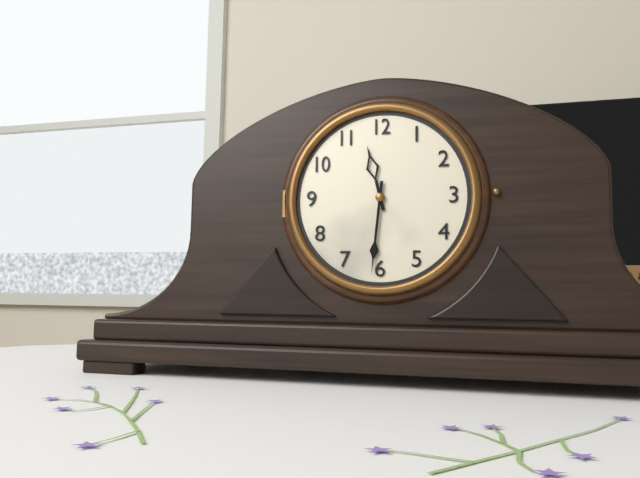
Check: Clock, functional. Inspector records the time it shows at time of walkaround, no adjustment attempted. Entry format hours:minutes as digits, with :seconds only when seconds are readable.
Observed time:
11:31
